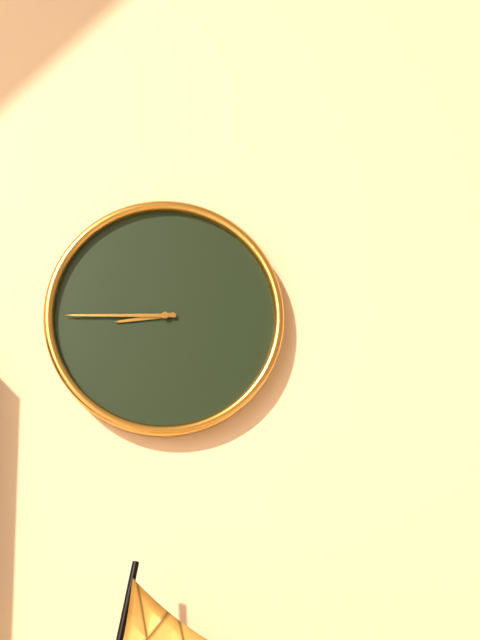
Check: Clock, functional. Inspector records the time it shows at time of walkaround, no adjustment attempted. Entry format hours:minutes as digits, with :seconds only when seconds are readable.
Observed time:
8:45
